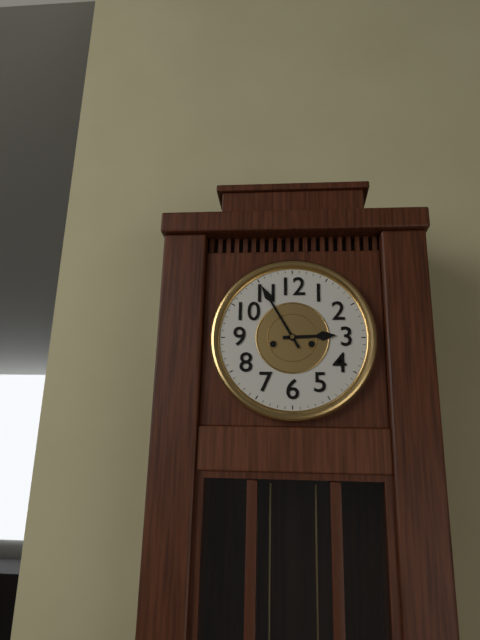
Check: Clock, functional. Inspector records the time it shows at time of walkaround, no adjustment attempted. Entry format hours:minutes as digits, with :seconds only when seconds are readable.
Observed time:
2:55
